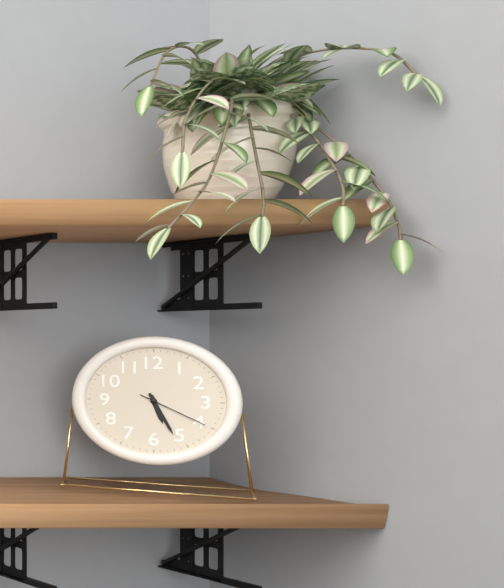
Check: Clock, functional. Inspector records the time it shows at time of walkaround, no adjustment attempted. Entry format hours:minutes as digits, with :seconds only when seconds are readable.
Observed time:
5:26:20
